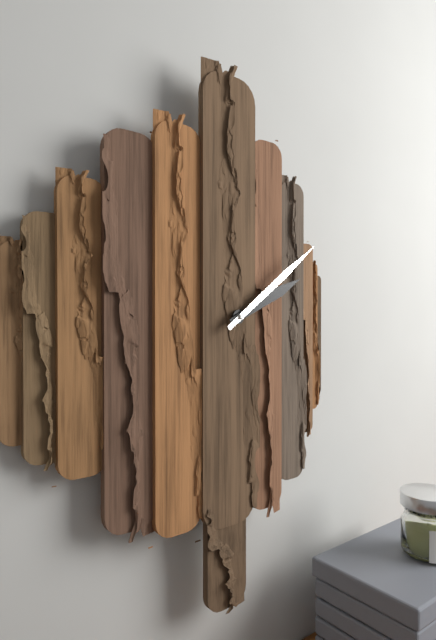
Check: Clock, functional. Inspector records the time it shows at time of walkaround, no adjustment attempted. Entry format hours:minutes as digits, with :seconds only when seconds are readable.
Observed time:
2:09
